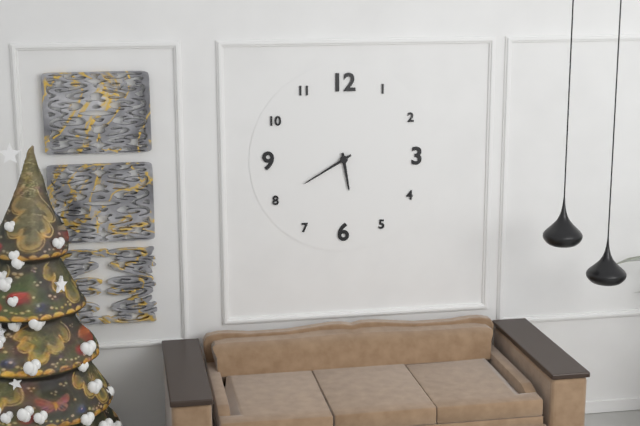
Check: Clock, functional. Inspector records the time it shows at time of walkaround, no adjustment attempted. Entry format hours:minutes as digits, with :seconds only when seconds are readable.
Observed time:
5:40
